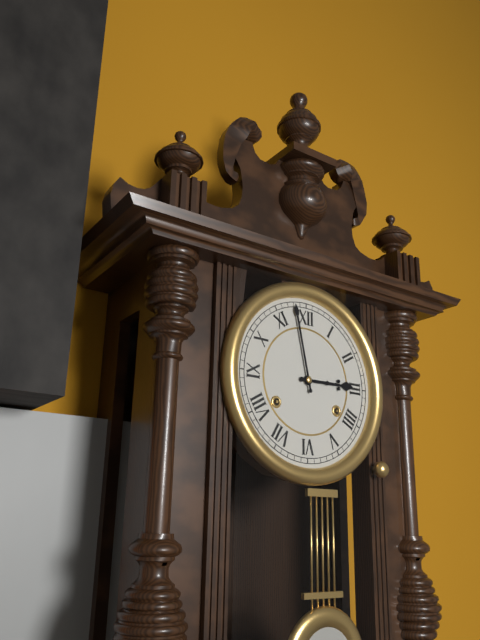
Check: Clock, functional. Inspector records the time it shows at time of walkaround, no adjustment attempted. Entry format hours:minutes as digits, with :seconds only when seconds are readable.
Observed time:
2:58
